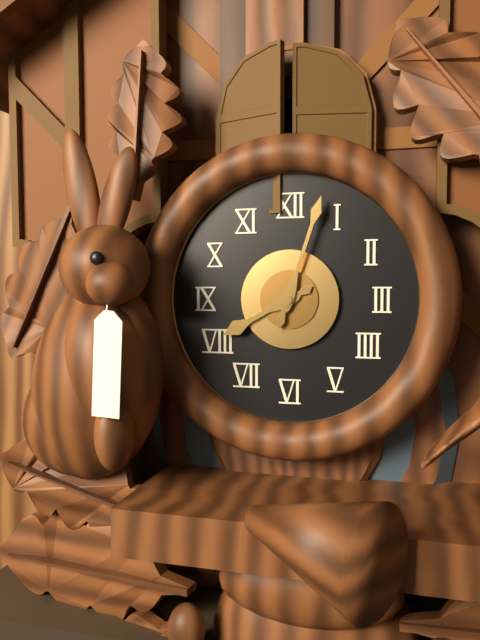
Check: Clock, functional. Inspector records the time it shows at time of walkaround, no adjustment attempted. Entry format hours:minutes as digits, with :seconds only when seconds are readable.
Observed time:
8:03
